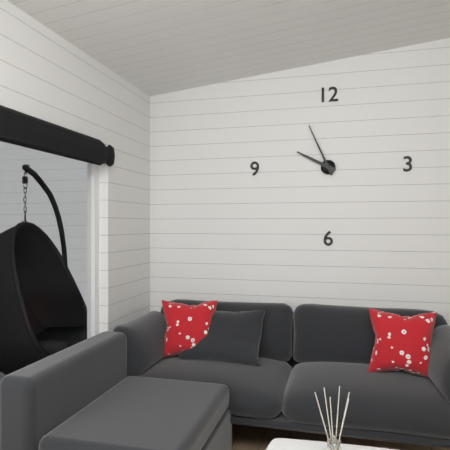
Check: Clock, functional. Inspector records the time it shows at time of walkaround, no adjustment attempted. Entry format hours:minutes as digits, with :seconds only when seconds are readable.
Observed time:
9:56
